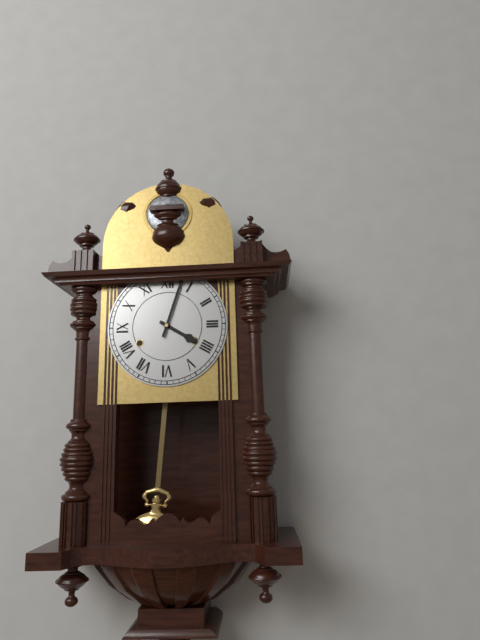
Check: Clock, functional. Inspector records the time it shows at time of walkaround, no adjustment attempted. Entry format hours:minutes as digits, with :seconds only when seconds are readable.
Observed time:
4:03
